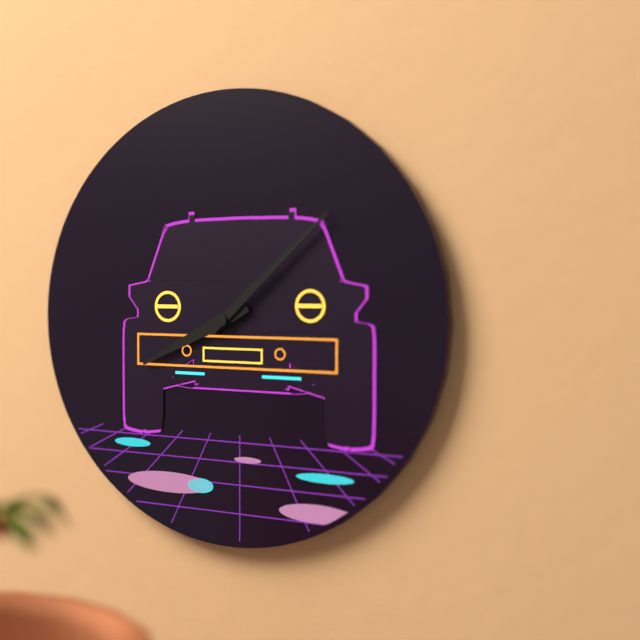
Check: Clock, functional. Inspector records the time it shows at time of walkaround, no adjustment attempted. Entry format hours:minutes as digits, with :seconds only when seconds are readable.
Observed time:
8:08
